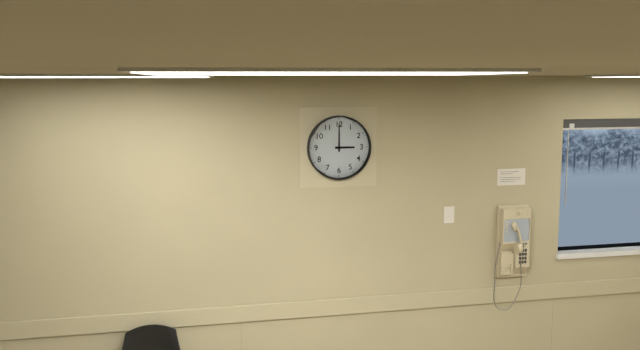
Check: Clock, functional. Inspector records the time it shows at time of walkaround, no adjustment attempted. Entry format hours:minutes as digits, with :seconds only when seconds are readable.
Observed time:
3:00
